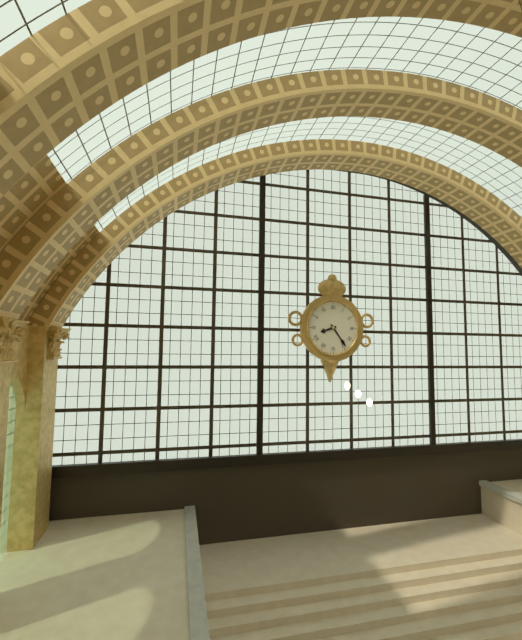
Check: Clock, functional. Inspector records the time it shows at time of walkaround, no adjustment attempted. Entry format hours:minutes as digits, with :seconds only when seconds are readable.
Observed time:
8:24
